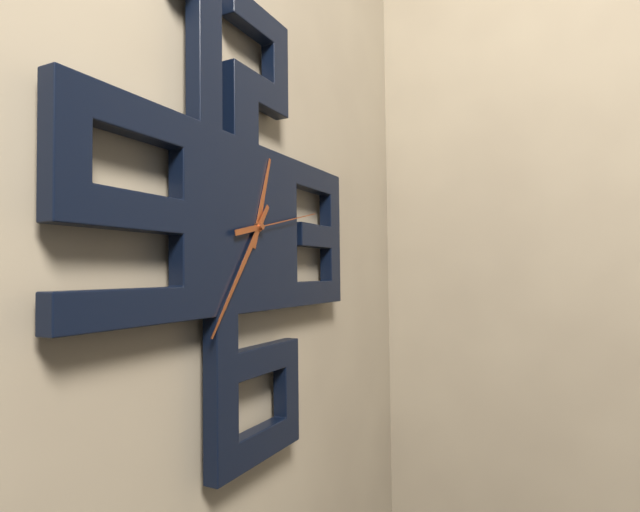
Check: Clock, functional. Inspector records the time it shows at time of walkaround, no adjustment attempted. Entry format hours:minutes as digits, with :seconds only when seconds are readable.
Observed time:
12:36:13
